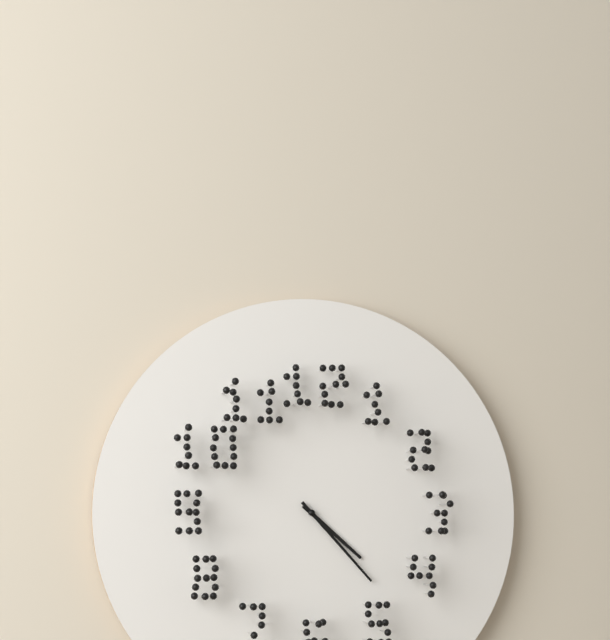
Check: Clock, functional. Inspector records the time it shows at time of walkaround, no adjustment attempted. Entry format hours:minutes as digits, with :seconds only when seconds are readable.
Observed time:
4:23
